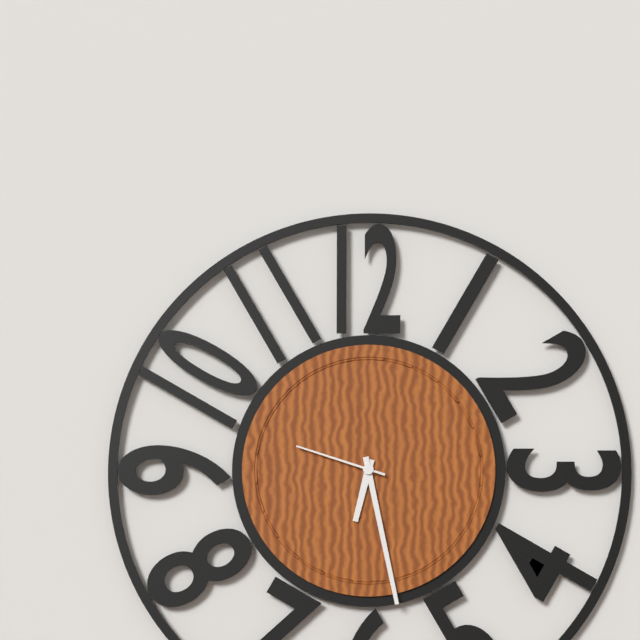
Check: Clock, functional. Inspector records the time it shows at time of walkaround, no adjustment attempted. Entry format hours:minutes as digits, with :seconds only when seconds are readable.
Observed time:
6:28:48
